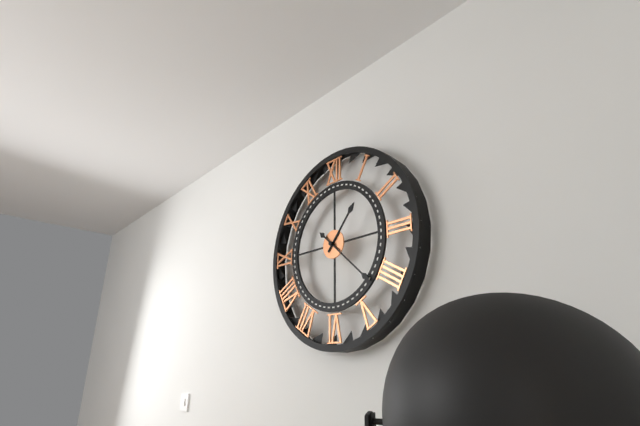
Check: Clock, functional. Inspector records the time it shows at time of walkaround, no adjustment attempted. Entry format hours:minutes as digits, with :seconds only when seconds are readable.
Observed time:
1:22
